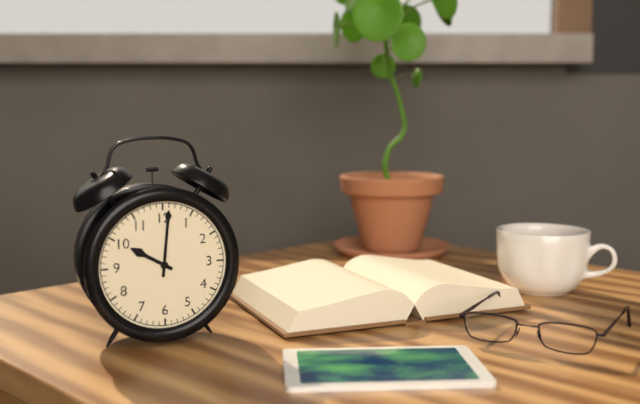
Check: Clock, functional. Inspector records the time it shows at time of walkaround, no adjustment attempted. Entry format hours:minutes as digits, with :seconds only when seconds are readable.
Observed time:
10:01
